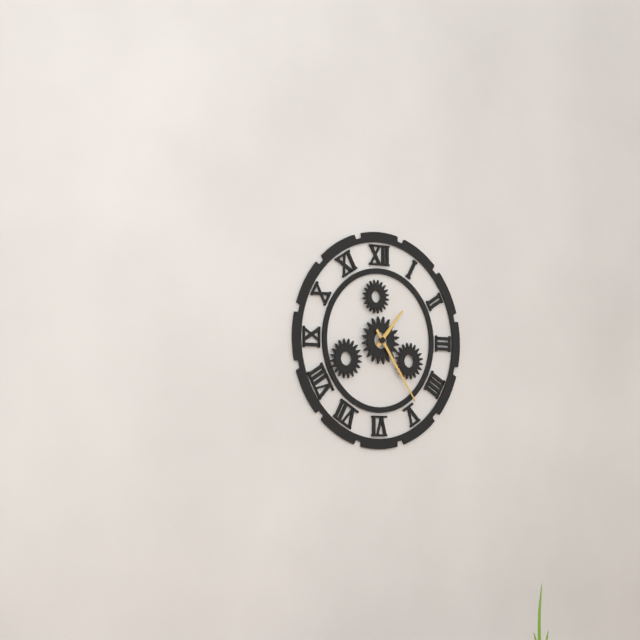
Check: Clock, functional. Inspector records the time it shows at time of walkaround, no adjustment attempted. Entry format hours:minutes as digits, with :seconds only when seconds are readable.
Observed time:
1:24
